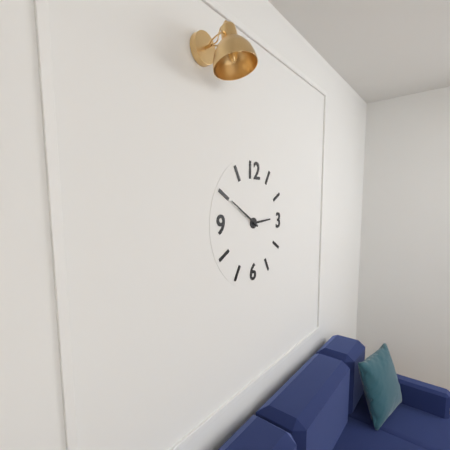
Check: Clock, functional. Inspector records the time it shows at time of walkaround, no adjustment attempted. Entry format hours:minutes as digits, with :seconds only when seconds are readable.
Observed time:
2:50
